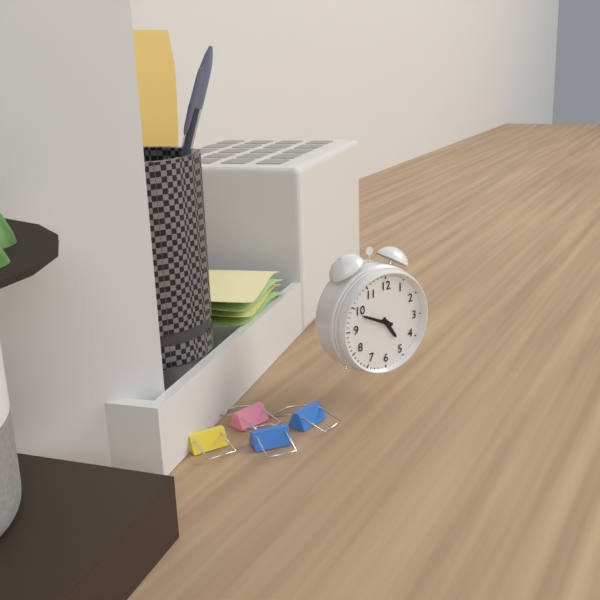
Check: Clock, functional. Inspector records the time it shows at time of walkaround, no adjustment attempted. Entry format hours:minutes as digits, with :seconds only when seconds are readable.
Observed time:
4:49
